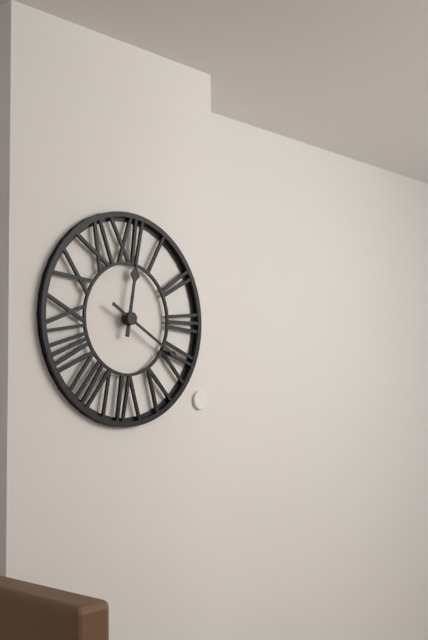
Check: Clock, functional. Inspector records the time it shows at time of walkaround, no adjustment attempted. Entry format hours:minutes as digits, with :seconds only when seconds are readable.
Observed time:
12:20
